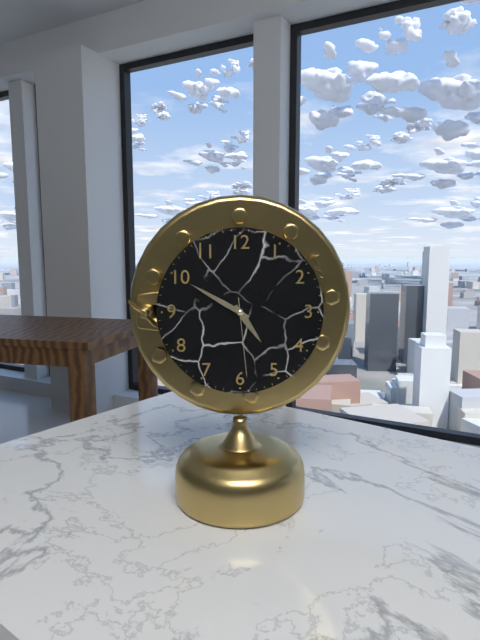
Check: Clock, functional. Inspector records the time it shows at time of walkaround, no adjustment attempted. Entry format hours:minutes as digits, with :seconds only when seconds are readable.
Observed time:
4:50:29
